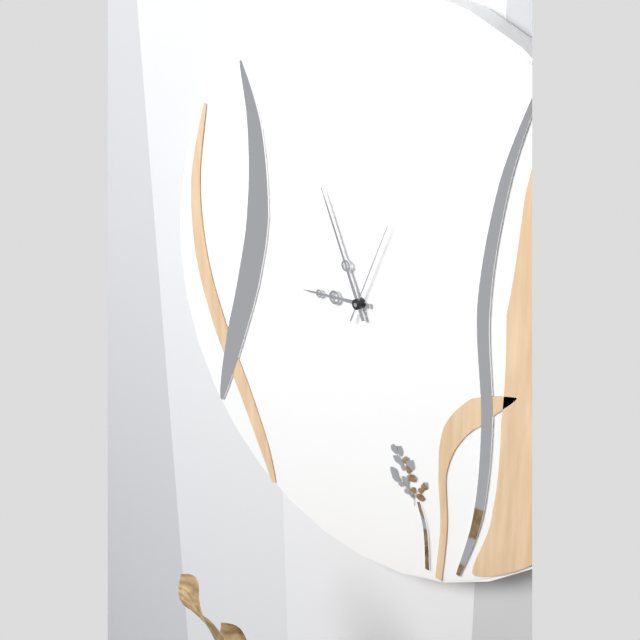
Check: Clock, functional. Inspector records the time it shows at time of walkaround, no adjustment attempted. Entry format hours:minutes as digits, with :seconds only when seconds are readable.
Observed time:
8:56:04
